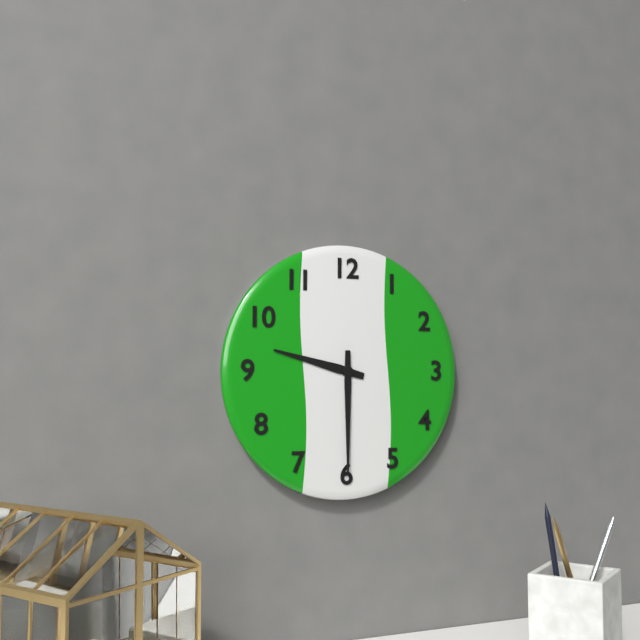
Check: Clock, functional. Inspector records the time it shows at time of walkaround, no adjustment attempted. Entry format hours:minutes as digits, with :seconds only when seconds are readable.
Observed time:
9:30
